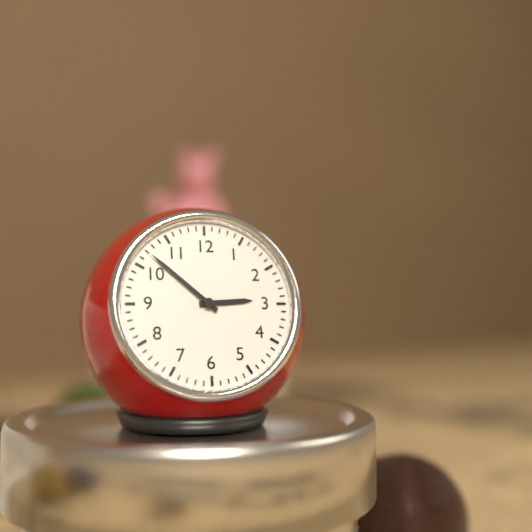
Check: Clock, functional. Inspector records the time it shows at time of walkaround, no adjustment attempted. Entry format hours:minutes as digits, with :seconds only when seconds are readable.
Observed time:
2:52
